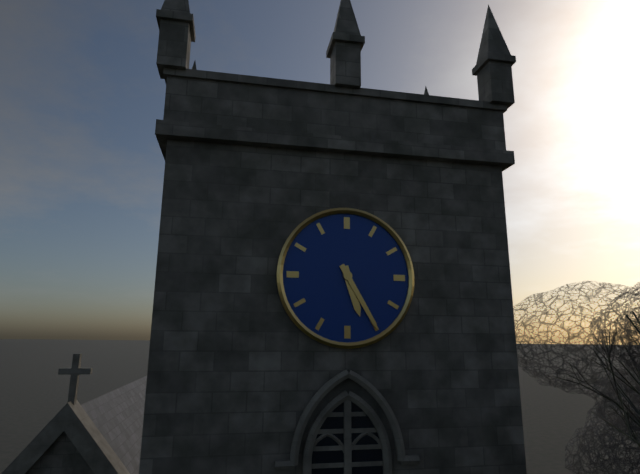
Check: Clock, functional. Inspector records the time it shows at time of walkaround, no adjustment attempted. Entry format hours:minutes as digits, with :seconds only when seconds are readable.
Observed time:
5:25
